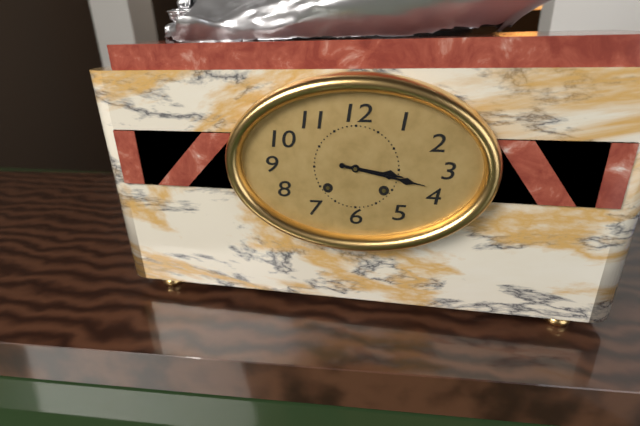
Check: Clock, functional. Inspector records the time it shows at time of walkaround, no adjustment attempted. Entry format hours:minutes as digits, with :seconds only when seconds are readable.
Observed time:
3:17
